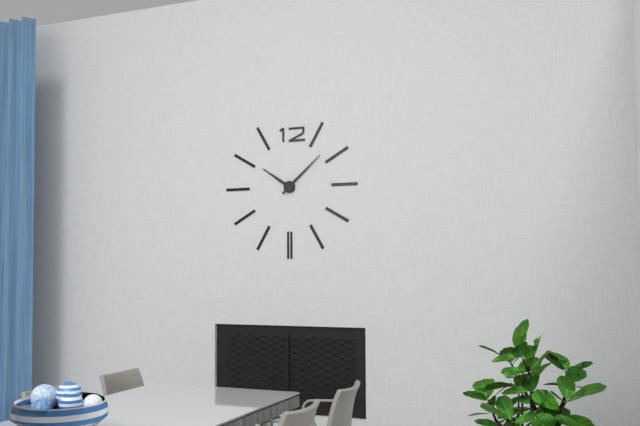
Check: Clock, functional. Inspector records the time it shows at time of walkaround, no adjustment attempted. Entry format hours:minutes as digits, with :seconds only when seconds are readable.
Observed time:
10:08
